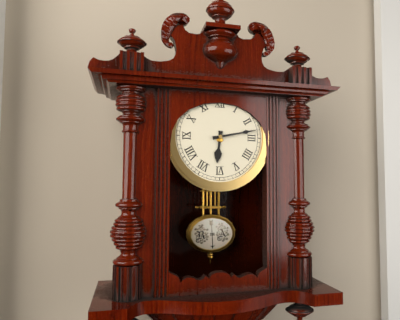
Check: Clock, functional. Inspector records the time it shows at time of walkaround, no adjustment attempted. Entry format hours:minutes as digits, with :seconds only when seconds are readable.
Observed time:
6:13
